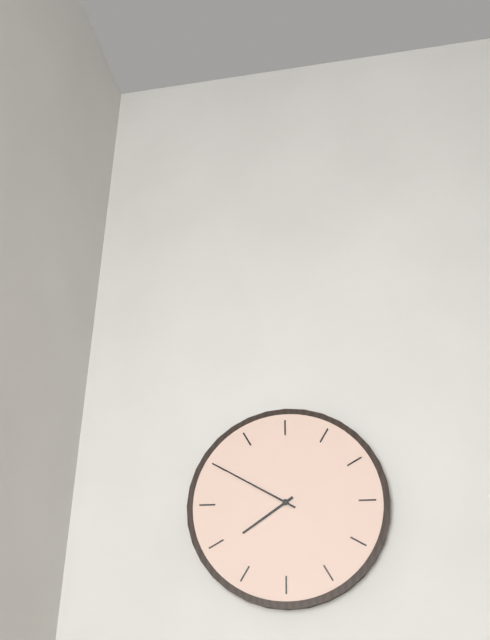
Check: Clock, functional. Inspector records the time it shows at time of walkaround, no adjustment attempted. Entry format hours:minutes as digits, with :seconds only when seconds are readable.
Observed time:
7:50
